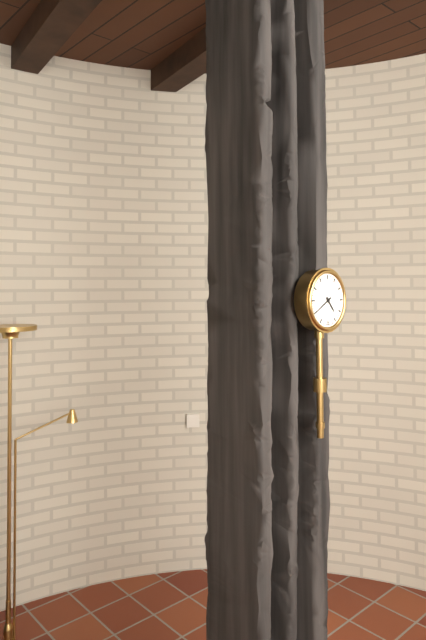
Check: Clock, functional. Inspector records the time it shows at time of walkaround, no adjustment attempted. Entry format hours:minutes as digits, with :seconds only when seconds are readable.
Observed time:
4:40
